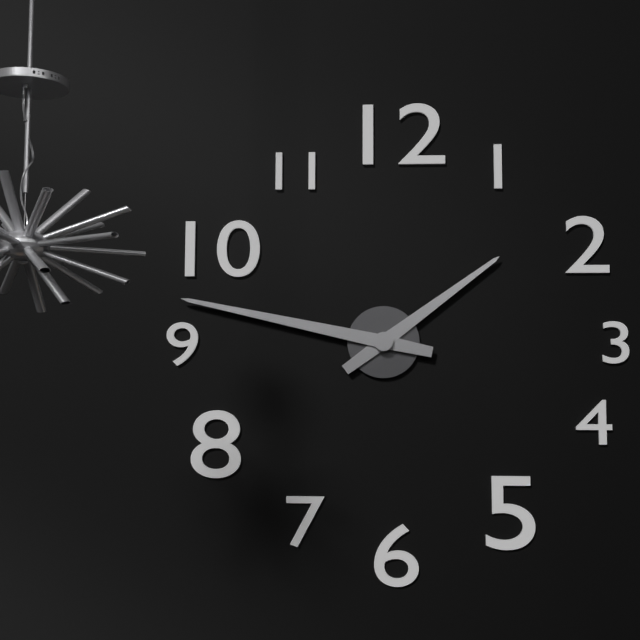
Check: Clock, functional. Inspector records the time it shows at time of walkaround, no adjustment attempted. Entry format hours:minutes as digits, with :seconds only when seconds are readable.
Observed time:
1:47
